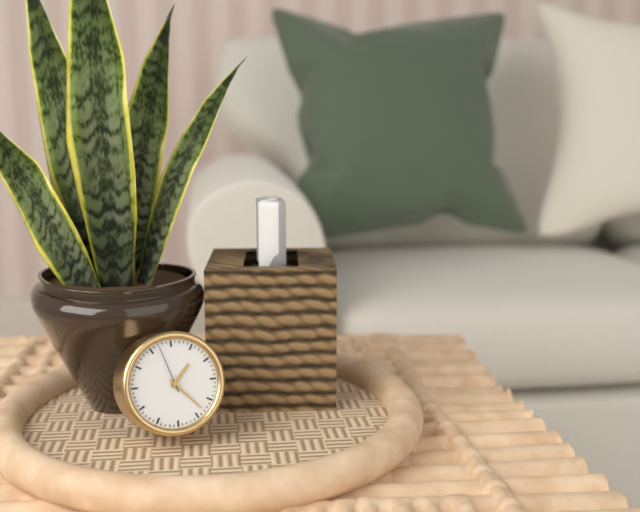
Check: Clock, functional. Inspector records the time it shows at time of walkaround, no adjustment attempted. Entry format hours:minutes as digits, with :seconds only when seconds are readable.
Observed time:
1:23
